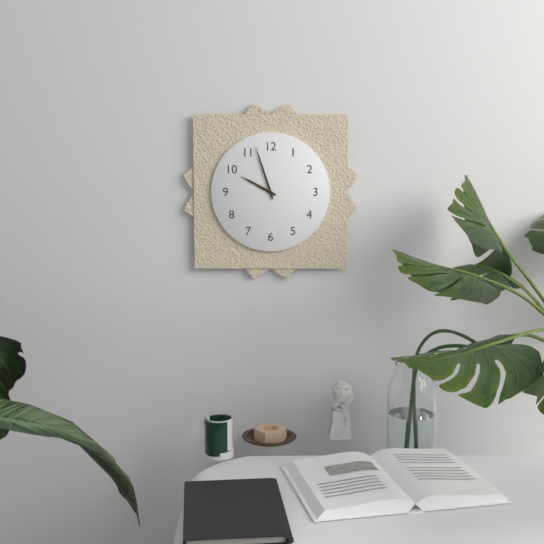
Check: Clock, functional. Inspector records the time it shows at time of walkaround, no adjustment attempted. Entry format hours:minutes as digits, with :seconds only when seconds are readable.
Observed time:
9:57
